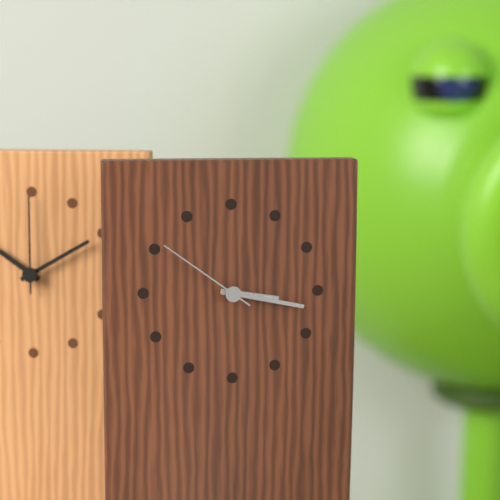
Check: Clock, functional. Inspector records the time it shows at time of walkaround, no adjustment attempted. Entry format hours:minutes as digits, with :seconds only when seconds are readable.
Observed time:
3:17:51
